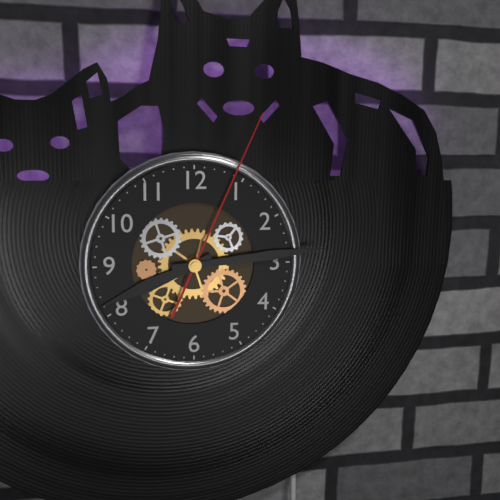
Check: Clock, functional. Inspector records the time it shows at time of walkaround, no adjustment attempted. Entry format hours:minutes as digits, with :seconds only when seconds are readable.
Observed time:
8:14:04
